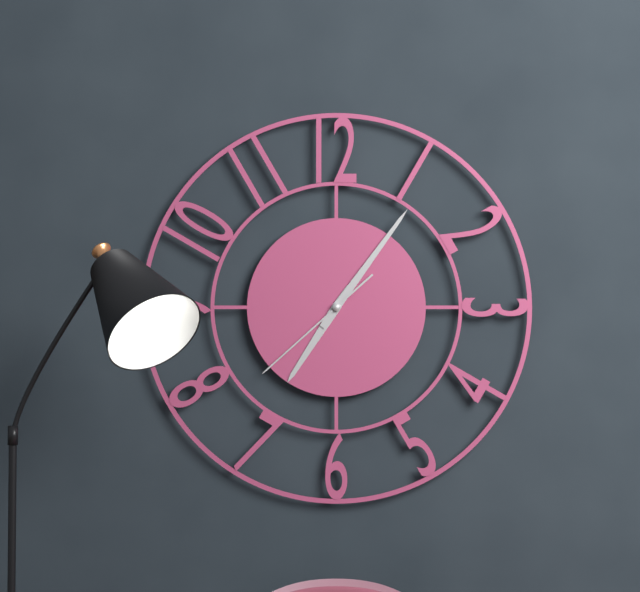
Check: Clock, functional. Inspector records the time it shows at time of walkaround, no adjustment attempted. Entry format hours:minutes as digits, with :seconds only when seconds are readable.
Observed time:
7:06:38
